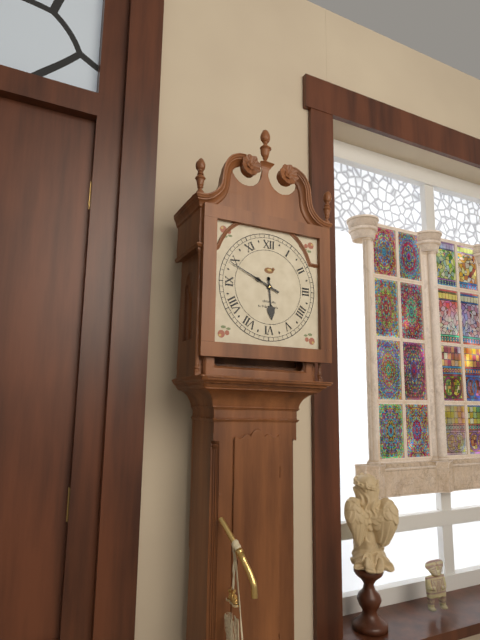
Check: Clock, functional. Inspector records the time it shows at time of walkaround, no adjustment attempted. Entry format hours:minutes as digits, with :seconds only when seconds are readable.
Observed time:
5:49
